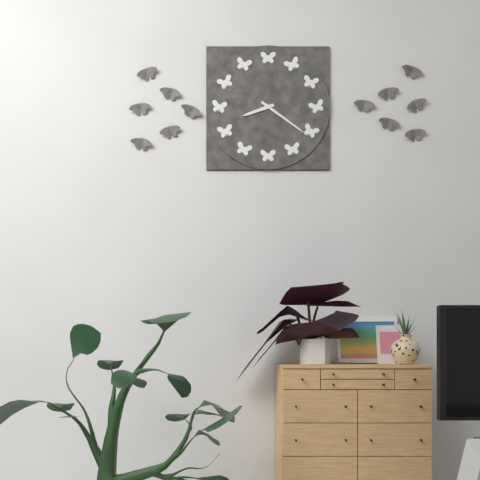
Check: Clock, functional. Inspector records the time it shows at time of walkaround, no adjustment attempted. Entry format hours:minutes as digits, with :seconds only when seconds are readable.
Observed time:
8:21
